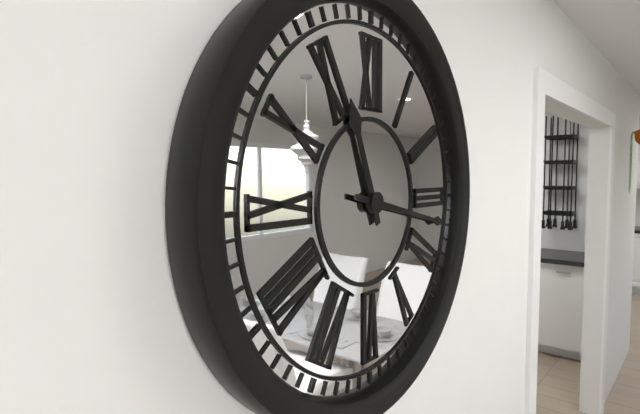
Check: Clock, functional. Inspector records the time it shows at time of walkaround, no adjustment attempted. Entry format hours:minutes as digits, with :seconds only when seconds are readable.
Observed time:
11:17
